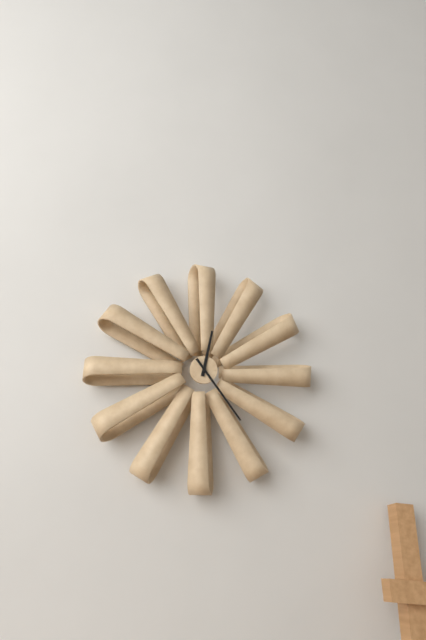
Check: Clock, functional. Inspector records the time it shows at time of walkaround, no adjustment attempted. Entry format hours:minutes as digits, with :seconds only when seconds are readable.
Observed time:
12:24
